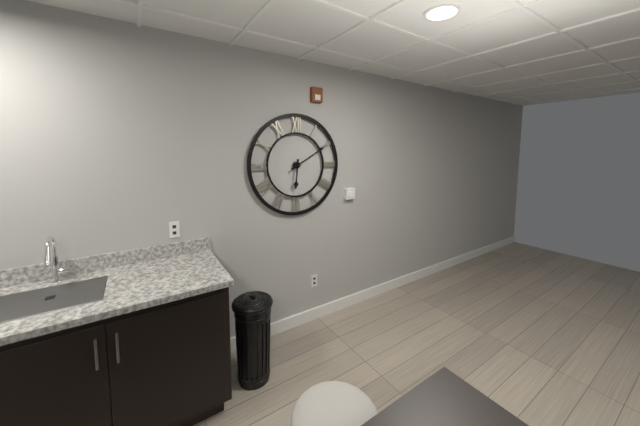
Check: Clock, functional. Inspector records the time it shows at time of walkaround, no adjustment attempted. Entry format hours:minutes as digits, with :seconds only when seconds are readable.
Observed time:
6:10
